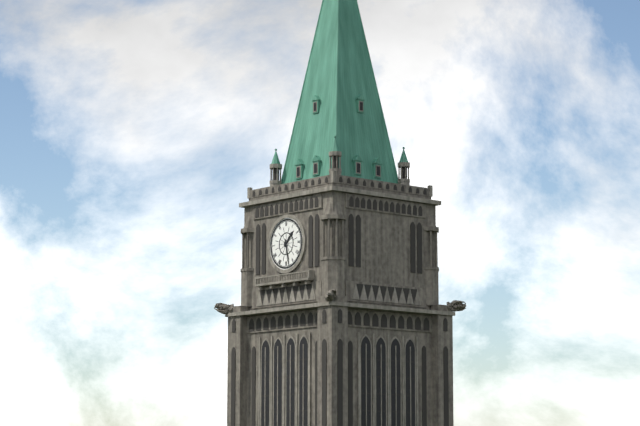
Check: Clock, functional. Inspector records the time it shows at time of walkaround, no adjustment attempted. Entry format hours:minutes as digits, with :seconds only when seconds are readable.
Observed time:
1:28
